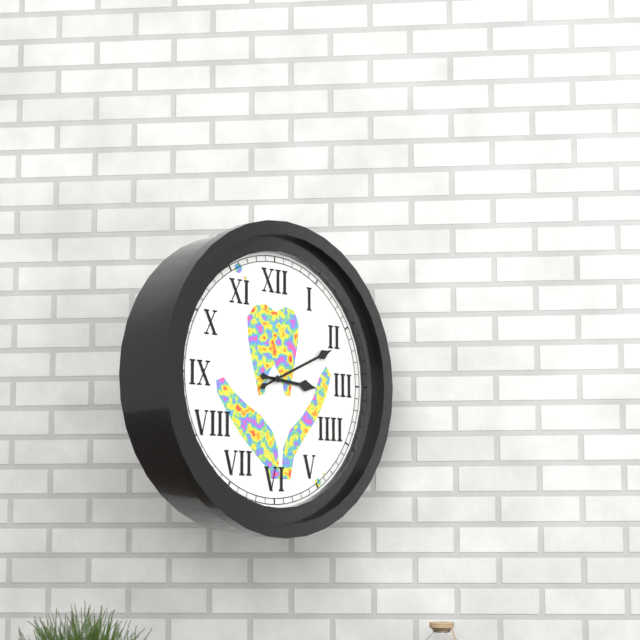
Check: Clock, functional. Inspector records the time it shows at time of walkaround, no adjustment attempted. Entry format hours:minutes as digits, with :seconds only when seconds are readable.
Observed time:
3:11
